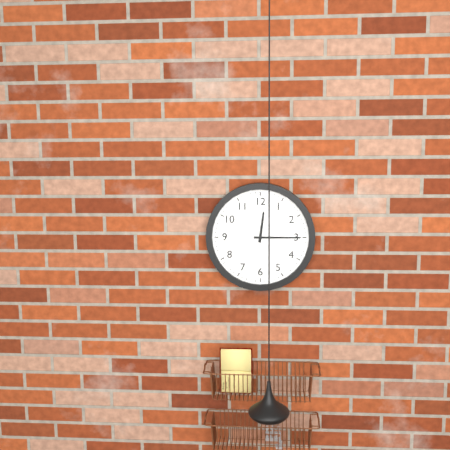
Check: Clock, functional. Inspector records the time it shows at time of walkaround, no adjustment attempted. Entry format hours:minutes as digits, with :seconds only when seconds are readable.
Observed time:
12:15
